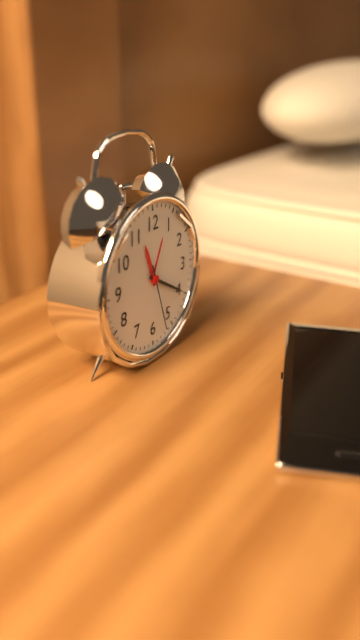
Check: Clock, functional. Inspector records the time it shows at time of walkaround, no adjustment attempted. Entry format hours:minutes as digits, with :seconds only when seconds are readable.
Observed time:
11:20:27
